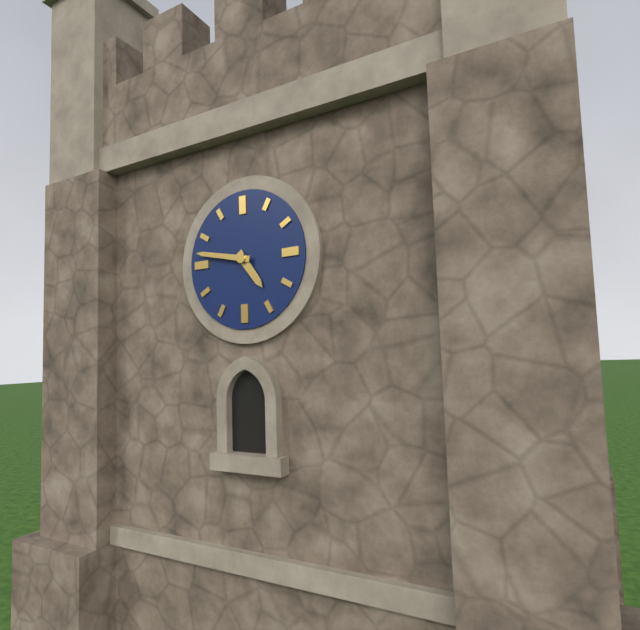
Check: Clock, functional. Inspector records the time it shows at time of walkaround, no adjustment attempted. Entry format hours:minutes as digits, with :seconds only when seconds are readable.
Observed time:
4:47
